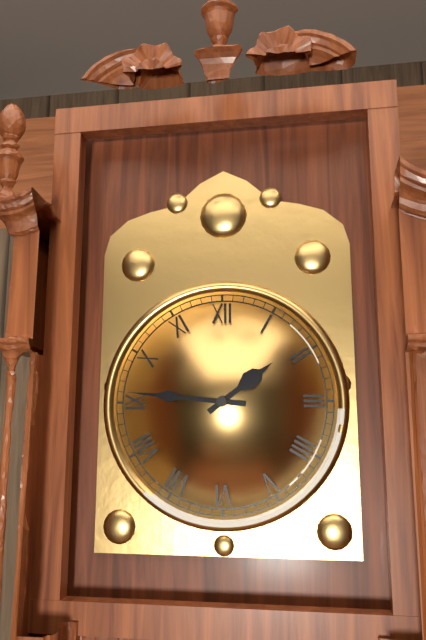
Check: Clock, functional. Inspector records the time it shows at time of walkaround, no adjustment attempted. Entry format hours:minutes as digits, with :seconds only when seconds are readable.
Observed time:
1:46
